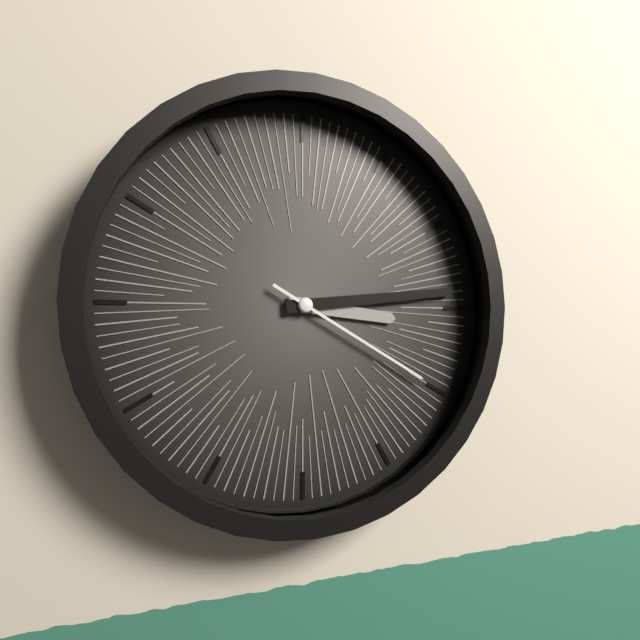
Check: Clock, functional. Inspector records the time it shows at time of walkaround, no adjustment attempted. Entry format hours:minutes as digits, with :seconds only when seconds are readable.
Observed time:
3:14:20
